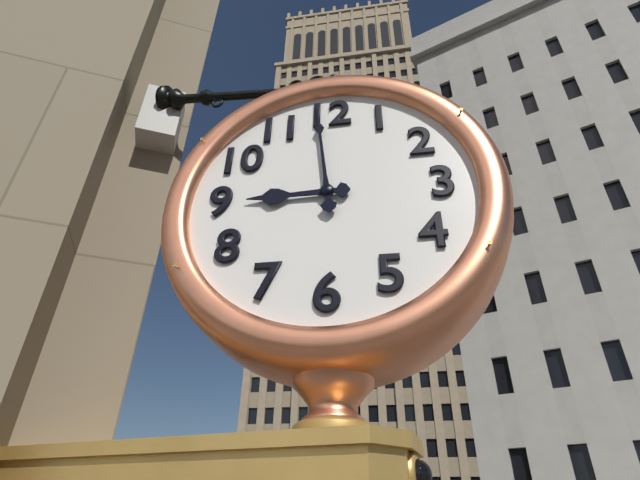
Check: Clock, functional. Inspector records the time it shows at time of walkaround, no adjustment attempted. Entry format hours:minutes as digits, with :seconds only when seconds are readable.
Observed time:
8:59
